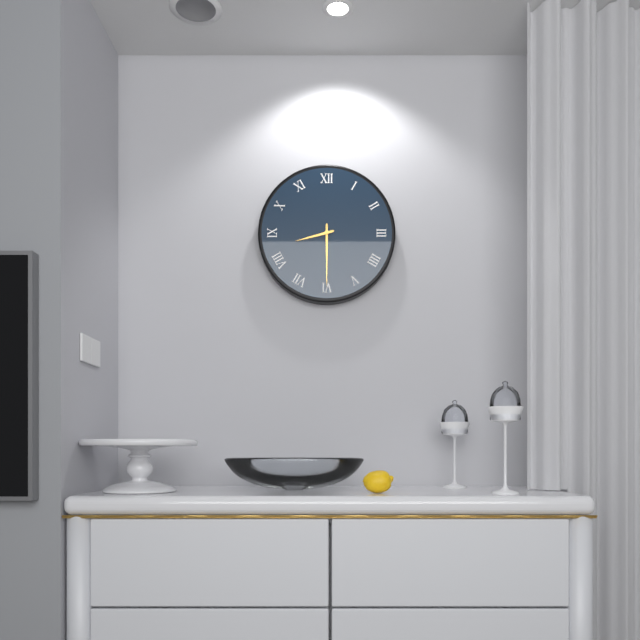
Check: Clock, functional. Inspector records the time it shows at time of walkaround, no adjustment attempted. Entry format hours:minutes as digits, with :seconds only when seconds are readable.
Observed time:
8:30
